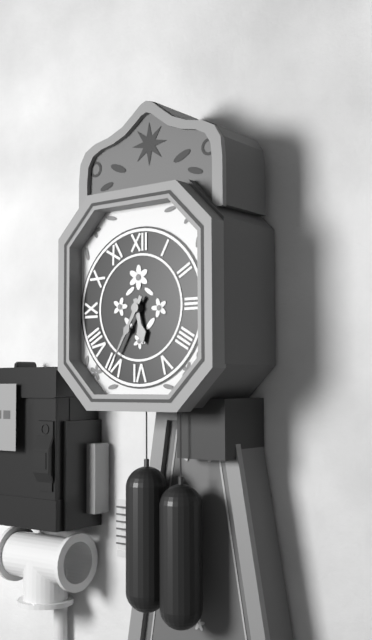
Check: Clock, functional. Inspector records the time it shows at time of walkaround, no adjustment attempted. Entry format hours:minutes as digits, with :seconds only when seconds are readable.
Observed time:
5:35
